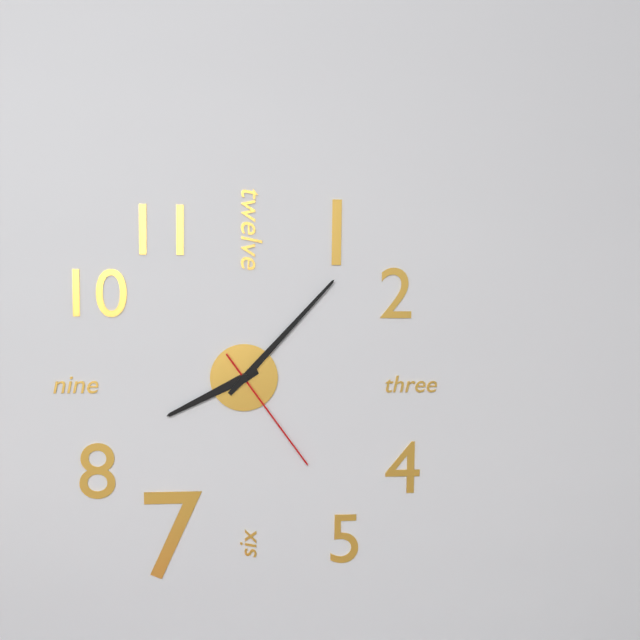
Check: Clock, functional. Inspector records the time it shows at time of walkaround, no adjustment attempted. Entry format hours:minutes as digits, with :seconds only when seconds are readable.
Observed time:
8:07:24
